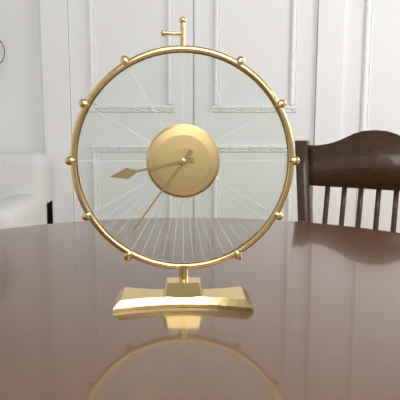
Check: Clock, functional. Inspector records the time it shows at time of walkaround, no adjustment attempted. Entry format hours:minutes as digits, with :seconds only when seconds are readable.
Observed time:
8:36
